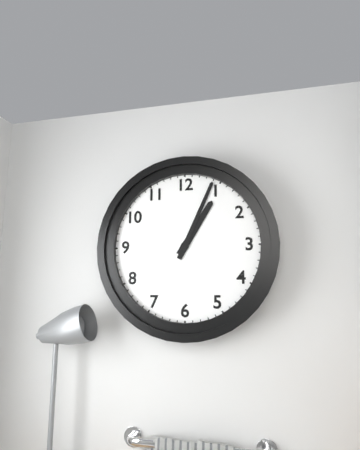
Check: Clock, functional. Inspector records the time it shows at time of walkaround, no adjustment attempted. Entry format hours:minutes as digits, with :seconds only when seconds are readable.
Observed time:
1:04
